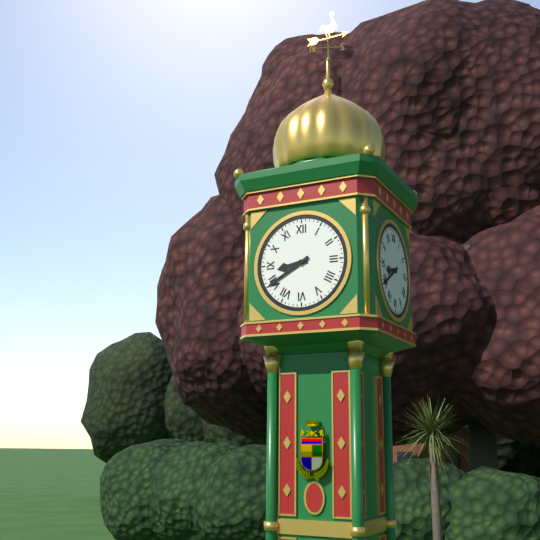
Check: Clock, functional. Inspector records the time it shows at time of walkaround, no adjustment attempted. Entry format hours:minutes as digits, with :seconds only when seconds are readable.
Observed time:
8:40
